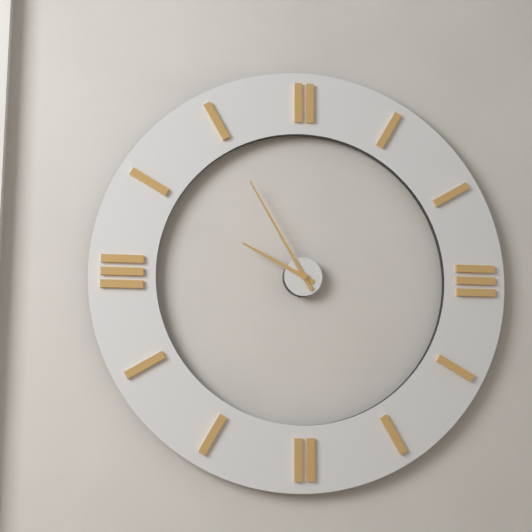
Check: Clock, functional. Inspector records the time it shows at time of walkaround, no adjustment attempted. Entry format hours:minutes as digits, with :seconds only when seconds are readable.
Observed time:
9:55
